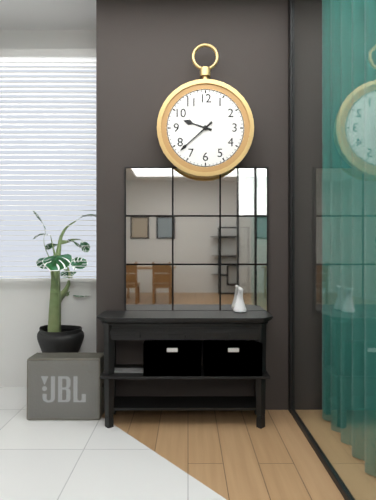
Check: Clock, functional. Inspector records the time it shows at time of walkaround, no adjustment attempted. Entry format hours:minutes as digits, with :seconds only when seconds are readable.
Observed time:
9:38
